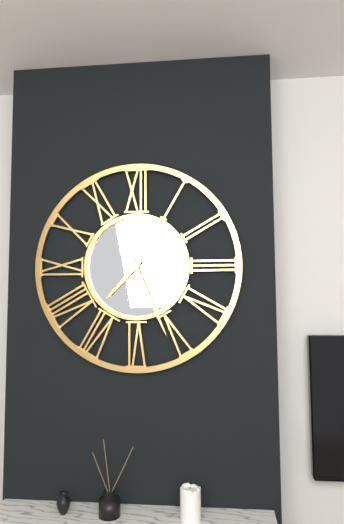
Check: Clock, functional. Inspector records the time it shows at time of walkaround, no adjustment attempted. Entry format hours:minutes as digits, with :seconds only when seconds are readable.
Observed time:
7:26
